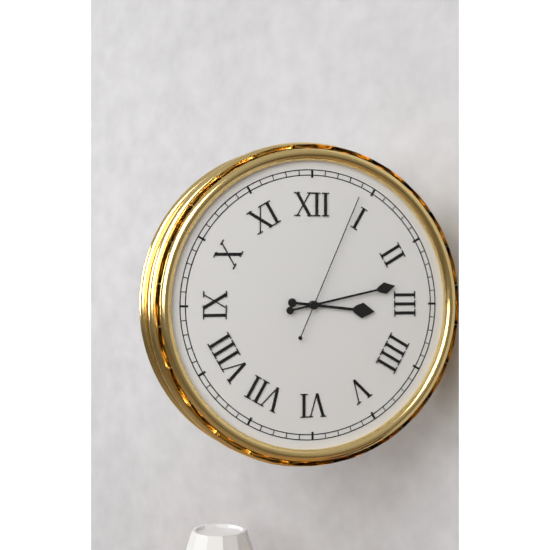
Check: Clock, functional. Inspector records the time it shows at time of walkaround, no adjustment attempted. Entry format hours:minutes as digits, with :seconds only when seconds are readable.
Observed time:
3:13:04
